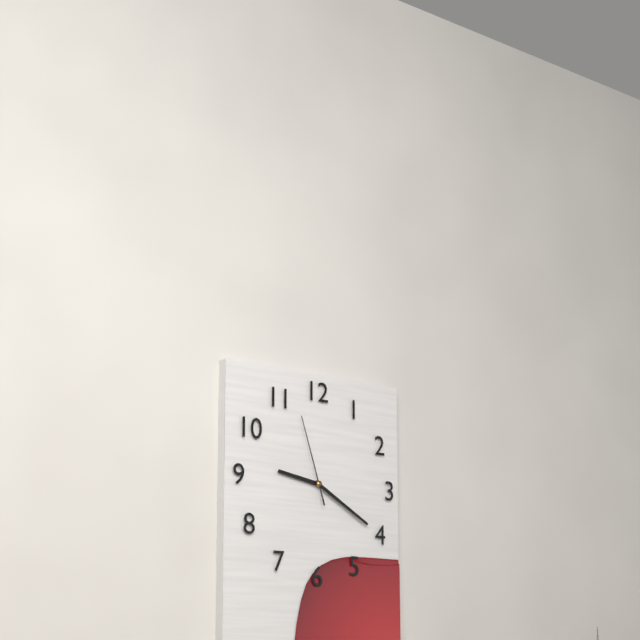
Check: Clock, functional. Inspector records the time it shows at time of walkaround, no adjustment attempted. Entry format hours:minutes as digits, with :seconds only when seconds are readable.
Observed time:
9:20:57
